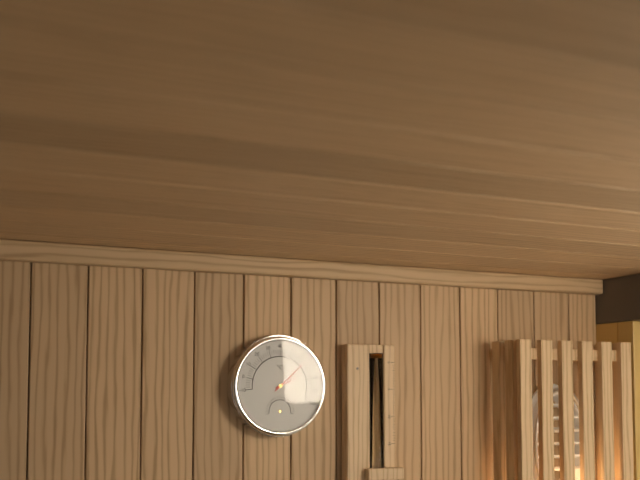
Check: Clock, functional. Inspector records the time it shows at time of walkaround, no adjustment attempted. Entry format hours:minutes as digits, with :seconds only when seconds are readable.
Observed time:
2:08
